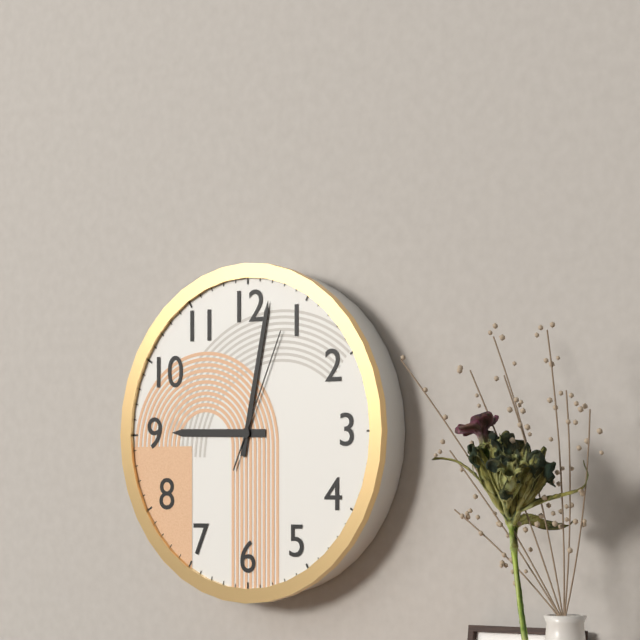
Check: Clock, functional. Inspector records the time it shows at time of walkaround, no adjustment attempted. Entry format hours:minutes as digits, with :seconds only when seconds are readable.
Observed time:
9:02:04
